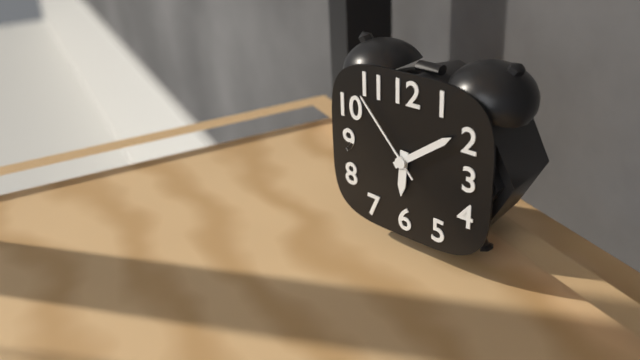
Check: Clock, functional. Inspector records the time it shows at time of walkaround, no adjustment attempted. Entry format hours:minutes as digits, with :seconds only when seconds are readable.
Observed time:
6:09:53
